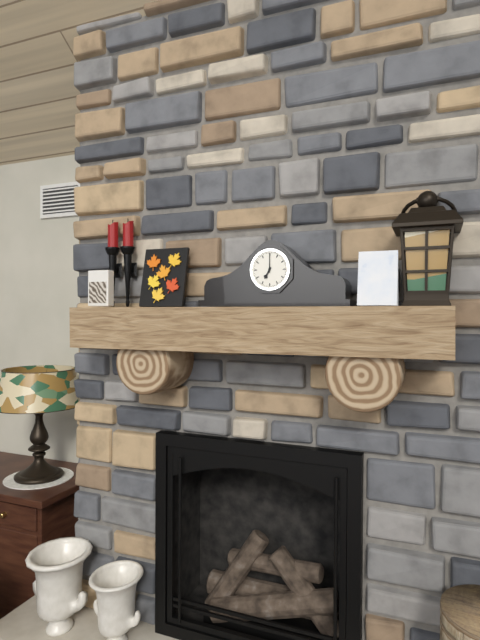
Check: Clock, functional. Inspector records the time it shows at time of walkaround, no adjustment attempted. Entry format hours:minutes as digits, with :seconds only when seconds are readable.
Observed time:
7:00
